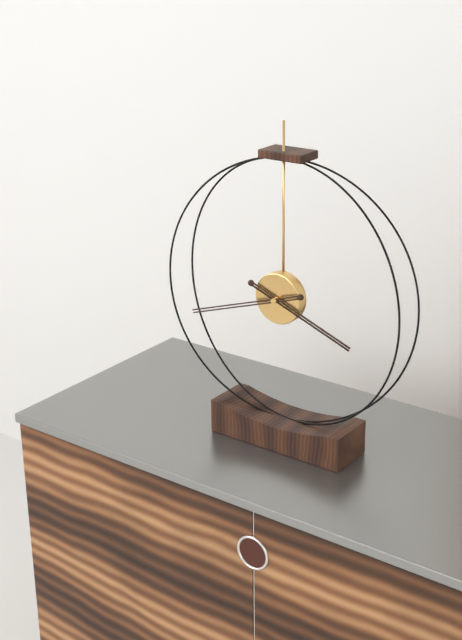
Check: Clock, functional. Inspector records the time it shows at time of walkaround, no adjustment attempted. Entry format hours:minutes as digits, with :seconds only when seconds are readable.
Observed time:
3:42
